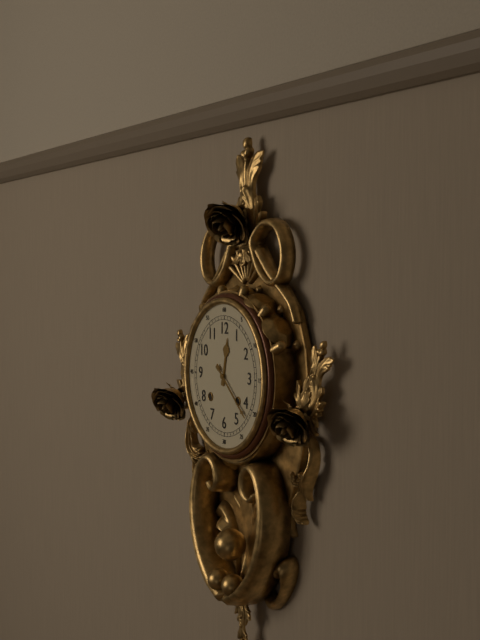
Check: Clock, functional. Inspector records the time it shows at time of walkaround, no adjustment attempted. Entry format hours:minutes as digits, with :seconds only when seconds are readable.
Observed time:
12:22
